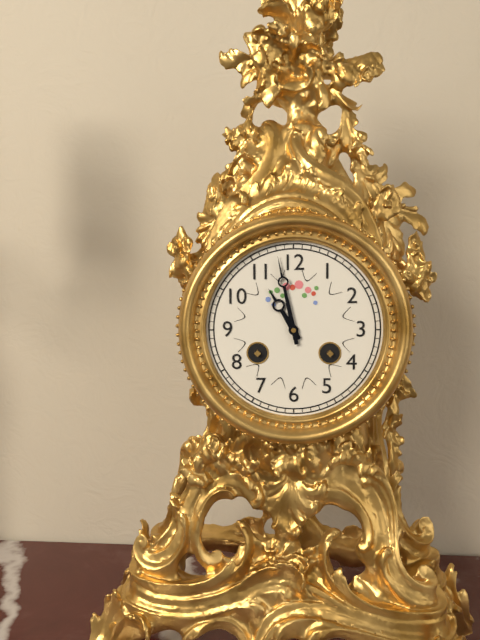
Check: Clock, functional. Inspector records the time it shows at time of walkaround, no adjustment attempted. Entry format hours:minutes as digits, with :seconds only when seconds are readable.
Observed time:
10:58
